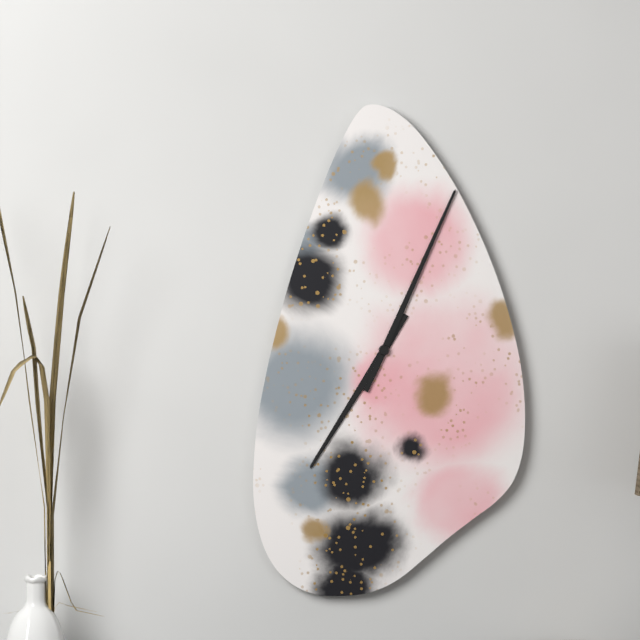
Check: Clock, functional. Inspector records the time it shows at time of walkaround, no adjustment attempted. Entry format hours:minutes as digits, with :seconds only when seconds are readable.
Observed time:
7:04
